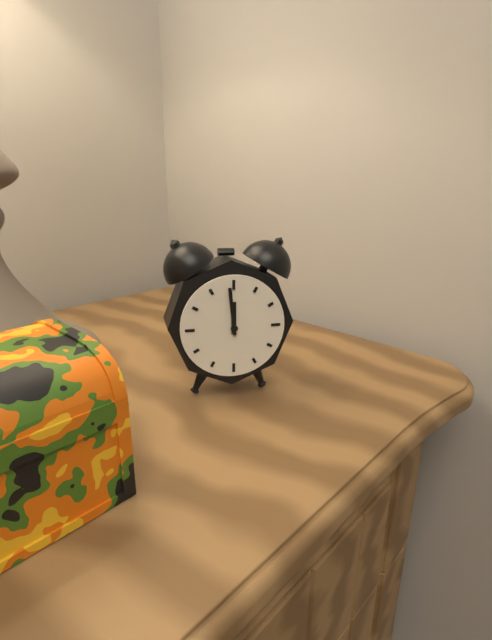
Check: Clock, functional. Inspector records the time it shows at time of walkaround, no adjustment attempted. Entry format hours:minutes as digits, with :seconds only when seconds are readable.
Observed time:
11:59
